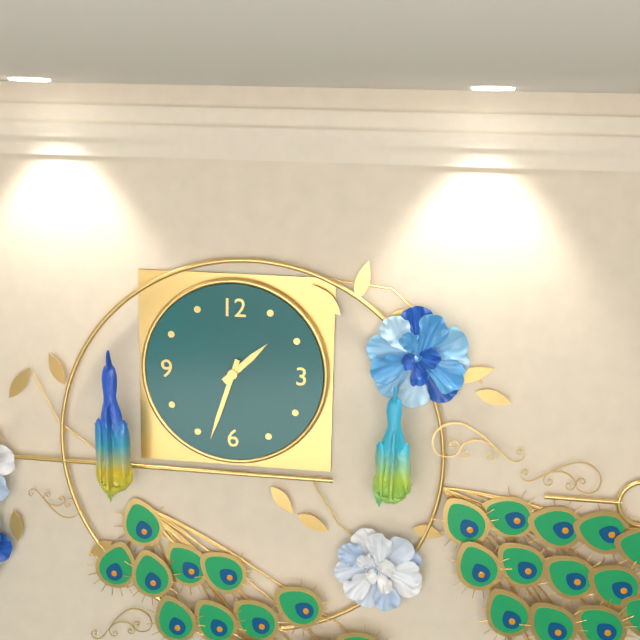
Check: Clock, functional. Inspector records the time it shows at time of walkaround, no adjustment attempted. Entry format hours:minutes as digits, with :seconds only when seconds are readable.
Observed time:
1:33
